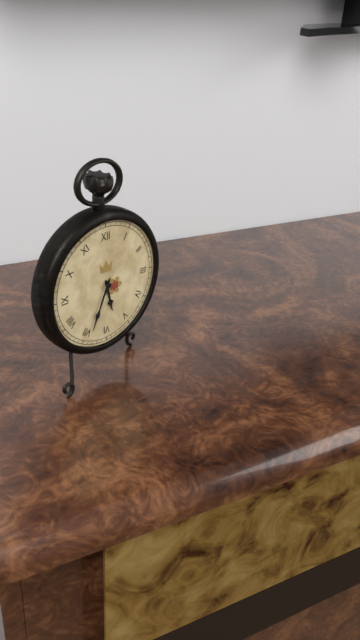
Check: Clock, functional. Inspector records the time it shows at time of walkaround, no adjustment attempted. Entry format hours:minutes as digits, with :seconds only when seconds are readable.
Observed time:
5:34
